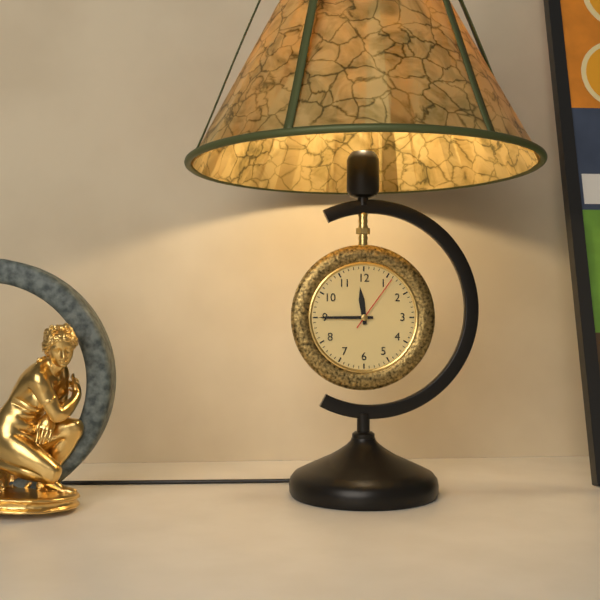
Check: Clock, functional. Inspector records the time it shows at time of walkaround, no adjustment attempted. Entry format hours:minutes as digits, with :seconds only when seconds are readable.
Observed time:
11:45:06
